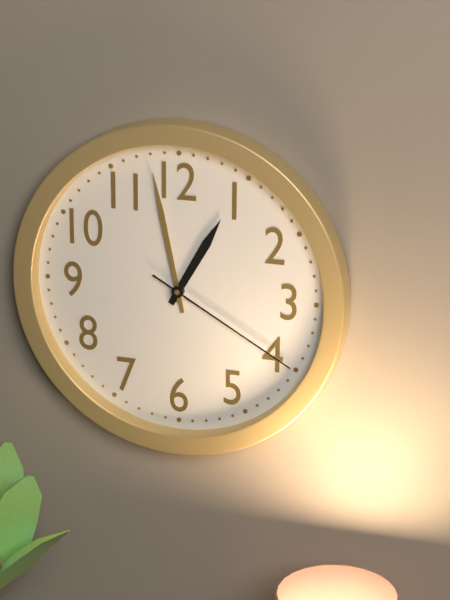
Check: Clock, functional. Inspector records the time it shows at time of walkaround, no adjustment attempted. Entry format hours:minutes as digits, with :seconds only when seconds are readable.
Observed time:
12:58:20
